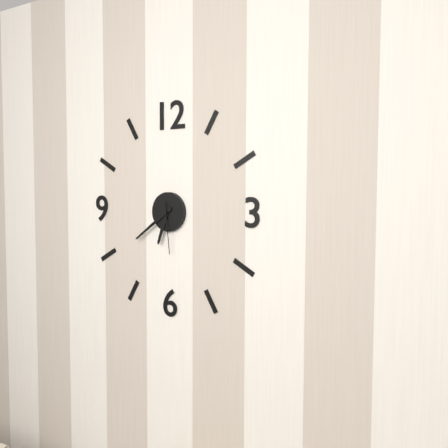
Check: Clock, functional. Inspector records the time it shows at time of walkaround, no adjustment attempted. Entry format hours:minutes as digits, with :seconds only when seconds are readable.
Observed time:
6:39:29
